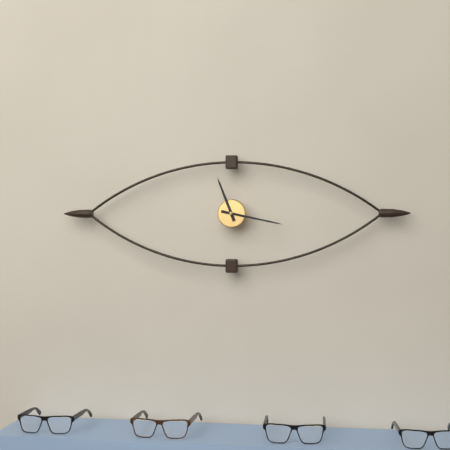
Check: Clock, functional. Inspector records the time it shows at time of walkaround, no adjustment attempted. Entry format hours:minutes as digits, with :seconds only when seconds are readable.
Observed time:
11:17
